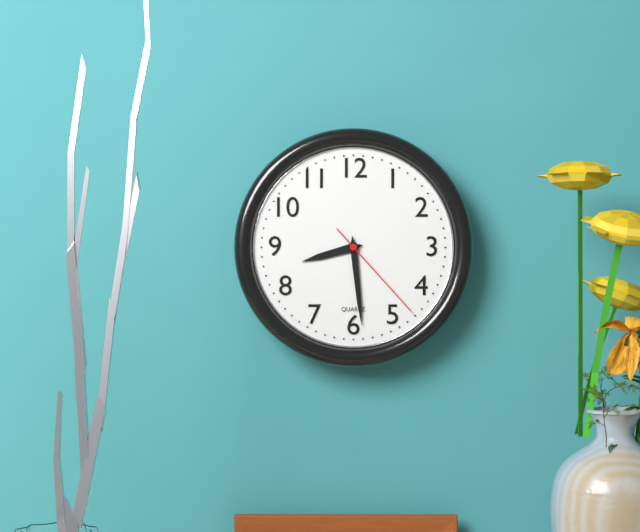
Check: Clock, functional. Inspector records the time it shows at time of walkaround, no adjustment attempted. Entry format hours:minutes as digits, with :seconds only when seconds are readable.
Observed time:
8:29:23
